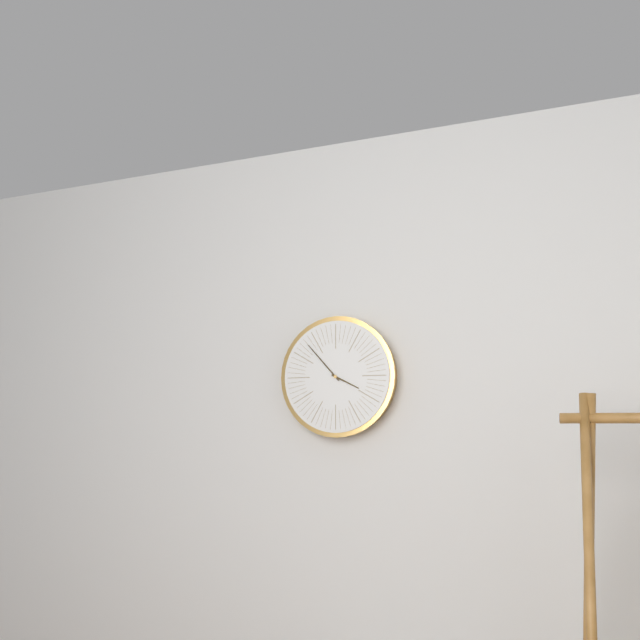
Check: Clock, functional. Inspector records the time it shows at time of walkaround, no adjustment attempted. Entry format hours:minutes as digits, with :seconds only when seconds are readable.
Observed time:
3:53
